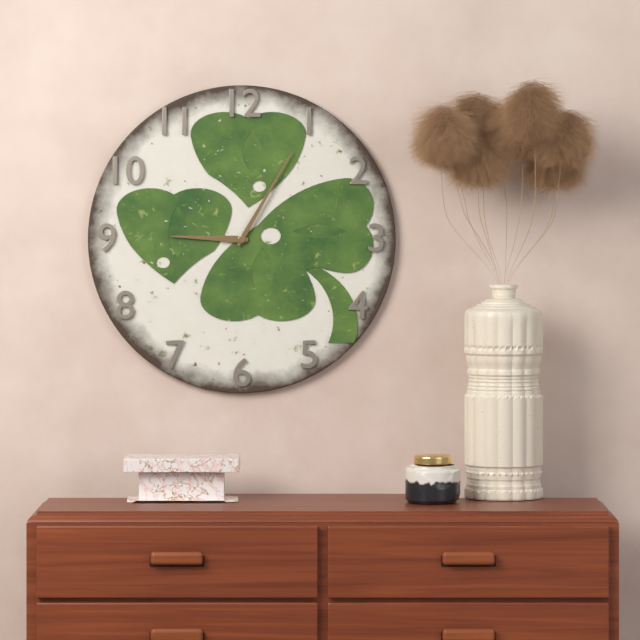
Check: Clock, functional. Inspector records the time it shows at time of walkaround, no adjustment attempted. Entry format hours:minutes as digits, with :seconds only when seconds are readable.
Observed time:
9:05
